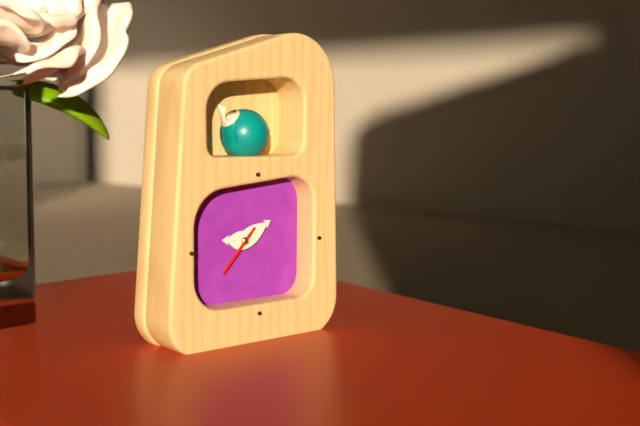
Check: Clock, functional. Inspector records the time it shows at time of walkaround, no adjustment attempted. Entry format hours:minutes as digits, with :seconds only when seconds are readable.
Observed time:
9:10:37
